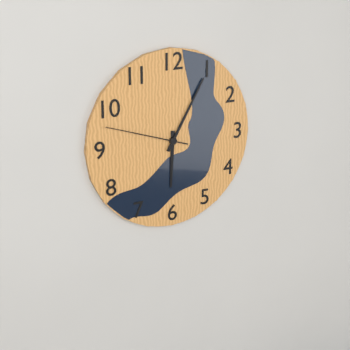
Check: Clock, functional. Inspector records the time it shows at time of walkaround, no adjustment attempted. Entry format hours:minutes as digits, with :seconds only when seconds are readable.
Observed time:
6:05:48
